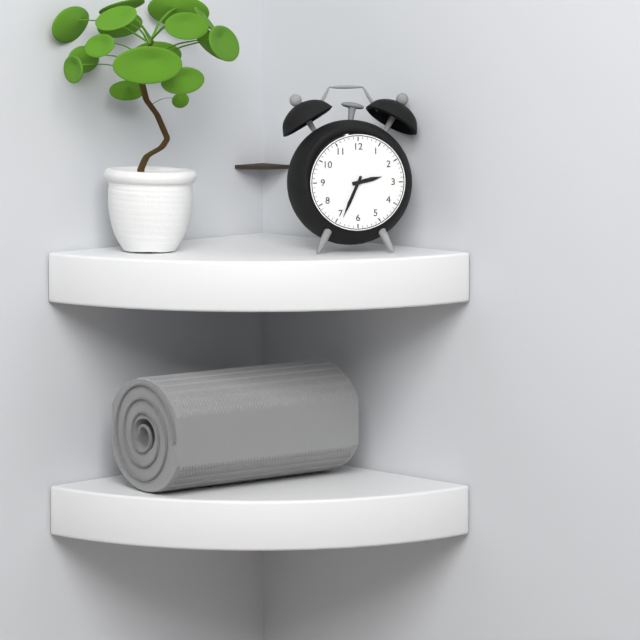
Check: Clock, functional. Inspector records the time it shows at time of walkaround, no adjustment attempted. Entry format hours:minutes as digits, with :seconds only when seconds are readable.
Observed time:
2:34
